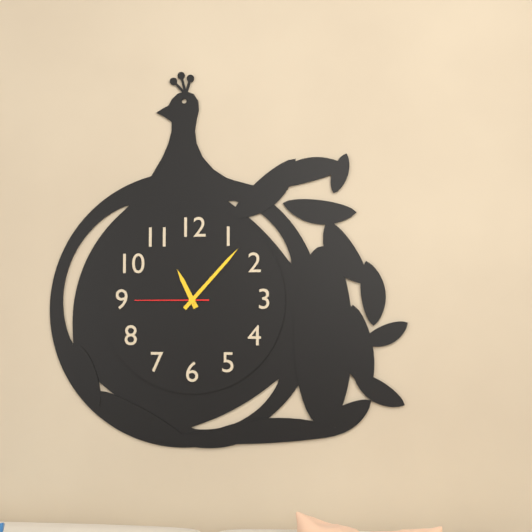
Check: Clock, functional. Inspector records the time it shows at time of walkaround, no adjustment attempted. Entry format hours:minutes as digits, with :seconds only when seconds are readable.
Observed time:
11:07:45
